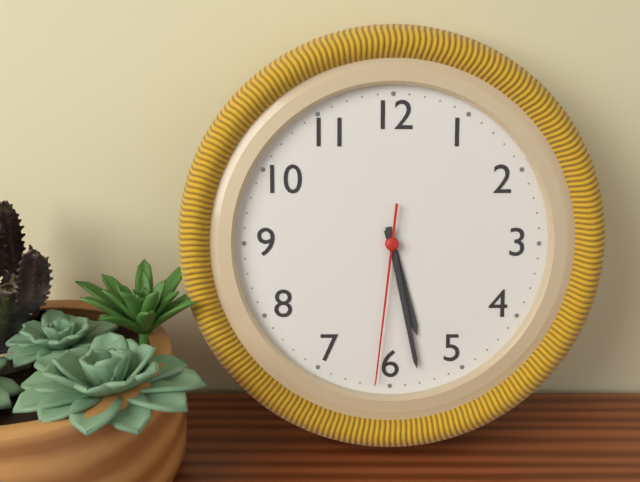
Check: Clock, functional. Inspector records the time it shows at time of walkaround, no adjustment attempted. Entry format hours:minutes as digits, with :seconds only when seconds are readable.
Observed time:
5:28:31
